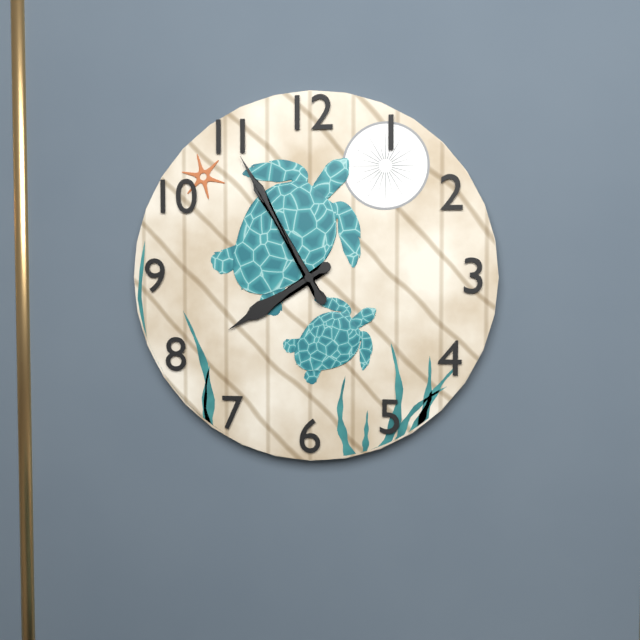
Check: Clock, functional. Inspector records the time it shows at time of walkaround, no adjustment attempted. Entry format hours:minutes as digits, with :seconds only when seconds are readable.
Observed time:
7:55
